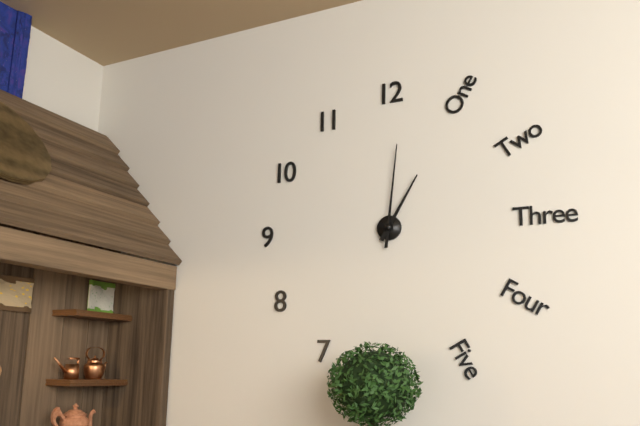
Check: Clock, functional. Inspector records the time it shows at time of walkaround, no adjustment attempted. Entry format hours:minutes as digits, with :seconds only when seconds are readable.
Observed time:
1:01
